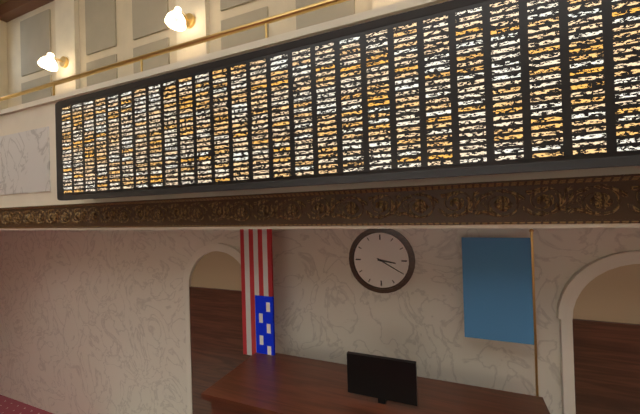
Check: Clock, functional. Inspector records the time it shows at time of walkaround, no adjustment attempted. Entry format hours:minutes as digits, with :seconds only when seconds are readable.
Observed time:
3:20
